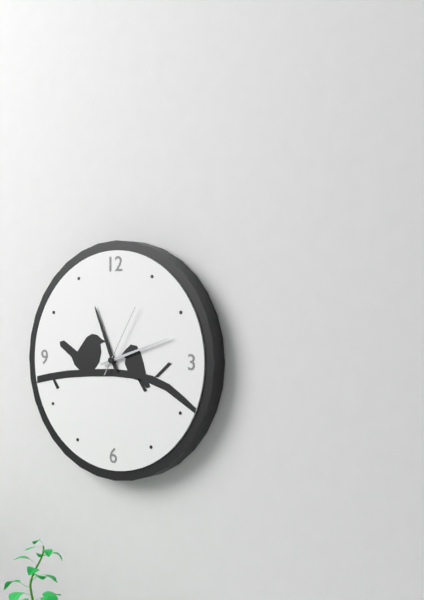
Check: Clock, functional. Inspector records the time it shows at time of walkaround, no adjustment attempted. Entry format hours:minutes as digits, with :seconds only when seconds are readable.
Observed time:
11:12:05
